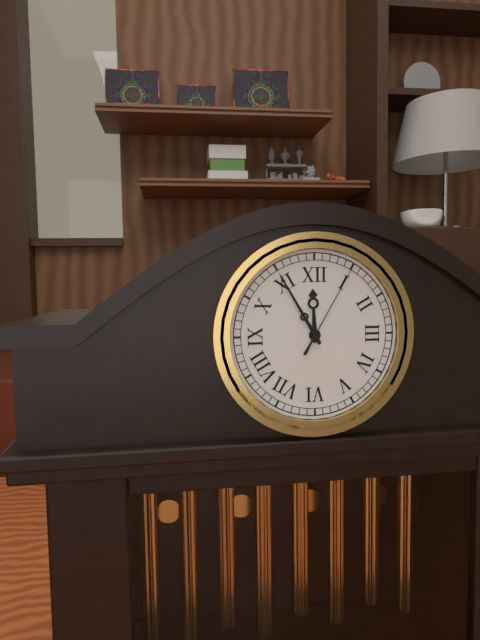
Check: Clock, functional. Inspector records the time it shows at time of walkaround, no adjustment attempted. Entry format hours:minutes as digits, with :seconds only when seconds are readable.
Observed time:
11:55:05
